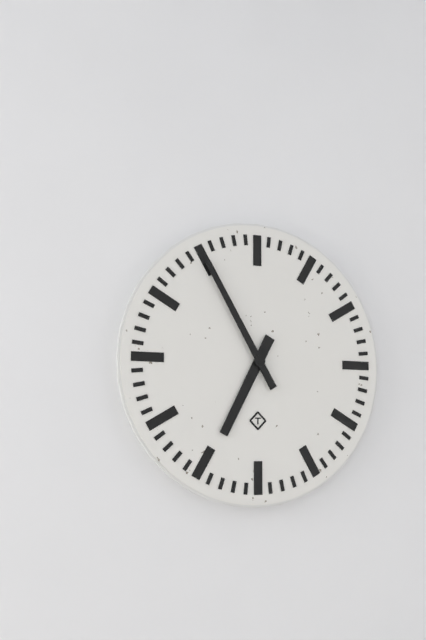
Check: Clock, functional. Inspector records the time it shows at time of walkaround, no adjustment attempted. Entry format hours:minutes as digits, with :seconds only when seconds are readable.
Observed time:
6:55
